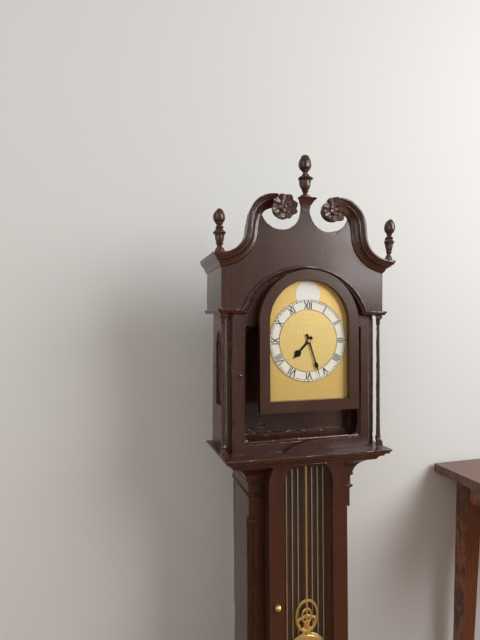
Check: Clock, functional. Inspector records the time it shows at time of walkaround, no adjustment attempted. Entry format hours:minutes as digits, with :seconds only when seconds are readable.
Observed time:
7:27
